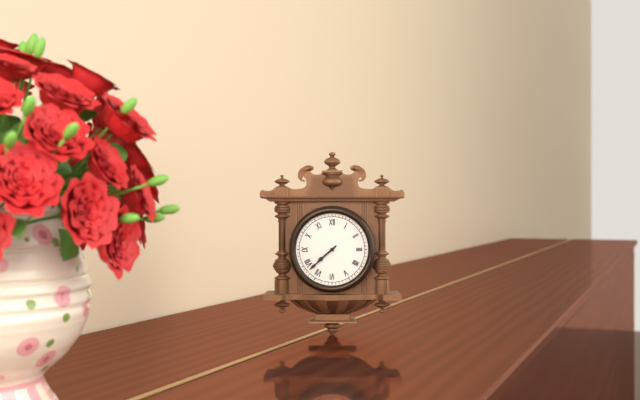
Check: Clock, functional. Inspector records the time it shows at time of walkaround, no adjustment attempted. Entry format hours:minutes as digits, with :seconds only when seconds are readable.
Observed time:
7:38
